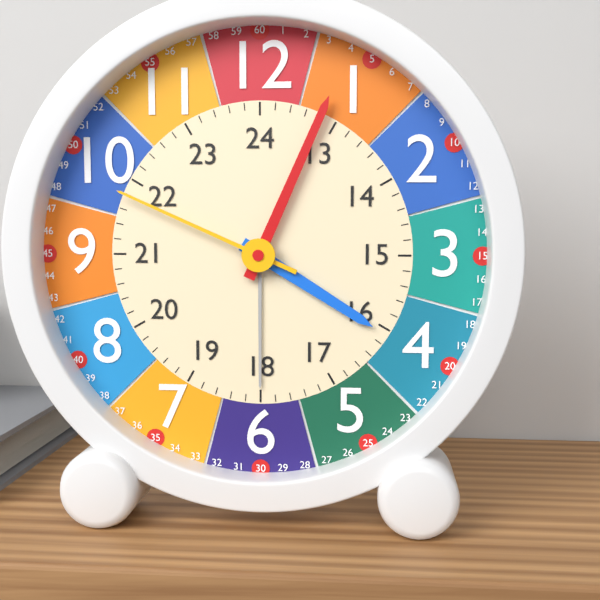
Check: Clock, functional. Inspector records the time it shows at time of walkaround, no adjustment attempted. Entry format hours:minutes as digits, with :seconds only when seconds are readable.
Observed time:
4:04:49
